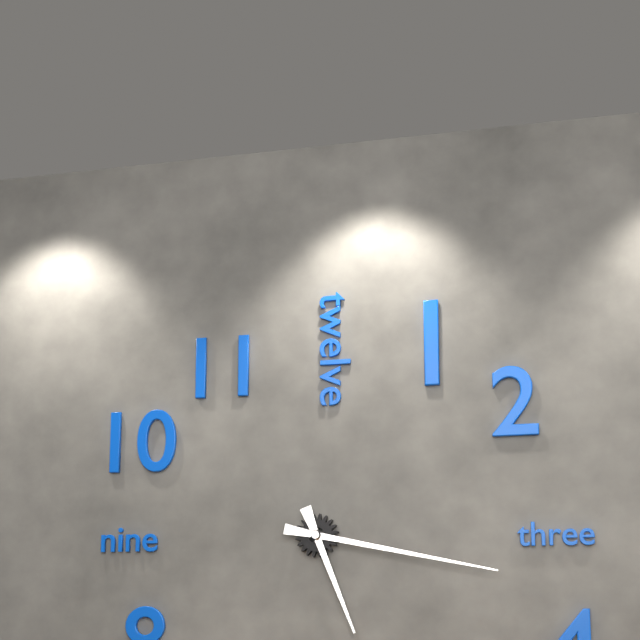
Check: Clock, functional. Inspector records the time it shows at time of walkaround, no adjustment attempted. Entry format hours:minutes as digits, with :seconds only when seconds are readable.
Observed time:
5:17
